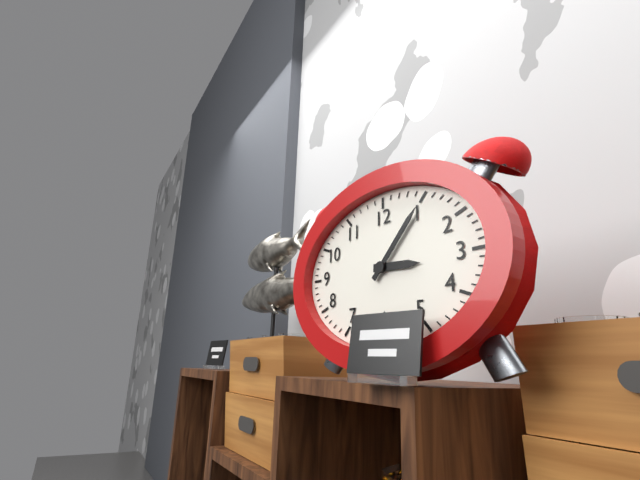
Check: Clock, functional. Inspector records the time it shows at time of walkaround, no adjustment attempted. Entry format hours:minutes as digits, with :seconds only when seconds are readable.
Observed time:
3:07
